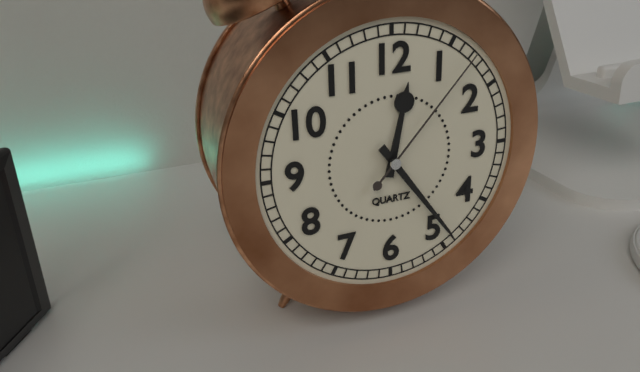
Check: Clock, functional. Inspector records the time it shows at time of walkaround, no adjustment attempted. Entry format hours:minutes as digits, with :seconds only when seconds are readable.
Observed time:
12:24:07
